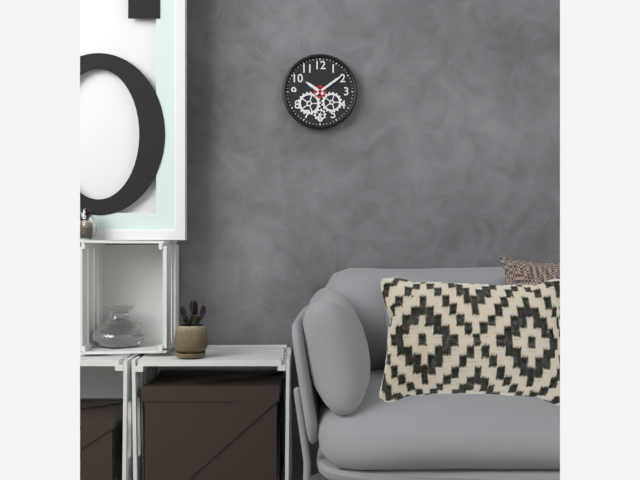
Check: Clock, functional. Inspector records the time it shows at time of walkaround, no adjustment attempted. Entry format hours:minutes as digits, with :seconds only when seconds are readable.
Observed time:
10:09
